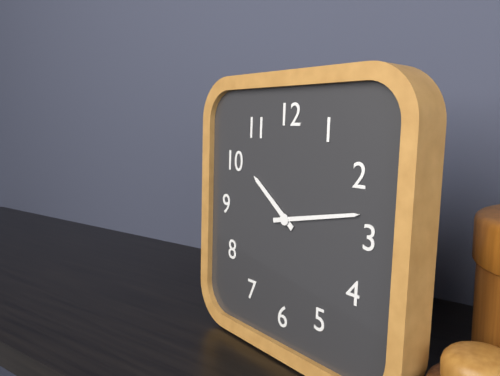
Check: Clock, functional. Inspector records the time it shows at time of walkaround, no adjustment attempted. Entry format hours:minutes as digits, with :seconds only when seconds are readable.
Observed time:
10:13
